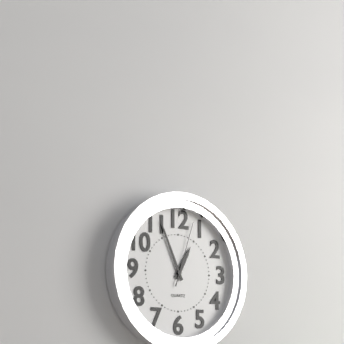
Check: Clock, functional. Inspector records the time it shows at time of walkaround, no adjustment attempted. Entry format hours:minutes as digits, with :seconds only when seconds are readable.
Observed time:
12:56:03
